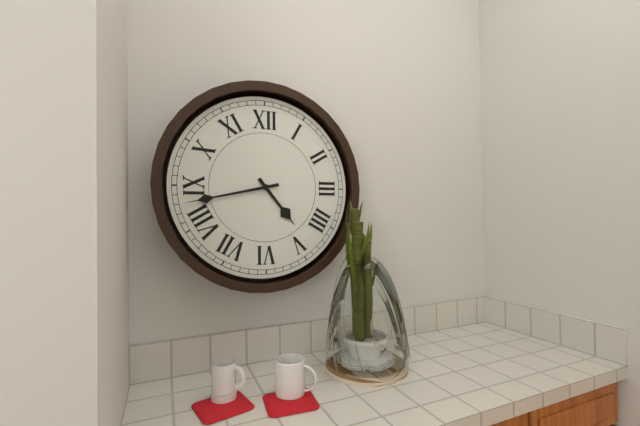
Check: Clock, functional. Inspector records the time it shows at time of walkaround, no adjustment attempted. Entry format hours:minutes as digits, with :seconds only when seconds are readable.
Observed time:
4:43
